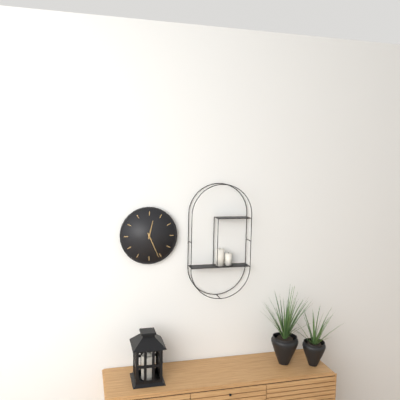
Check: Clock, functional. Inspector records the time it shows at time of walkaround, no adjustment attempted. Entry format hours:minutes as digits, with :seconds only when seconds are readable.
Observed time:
12:26
